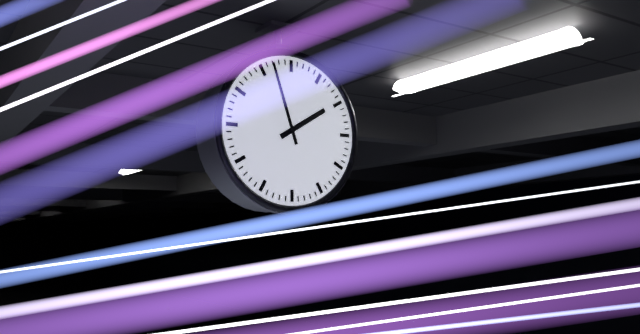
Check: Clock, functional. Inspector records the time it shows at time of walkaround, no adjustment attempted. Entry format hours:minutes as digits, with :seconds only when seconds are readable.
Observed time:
1:57
